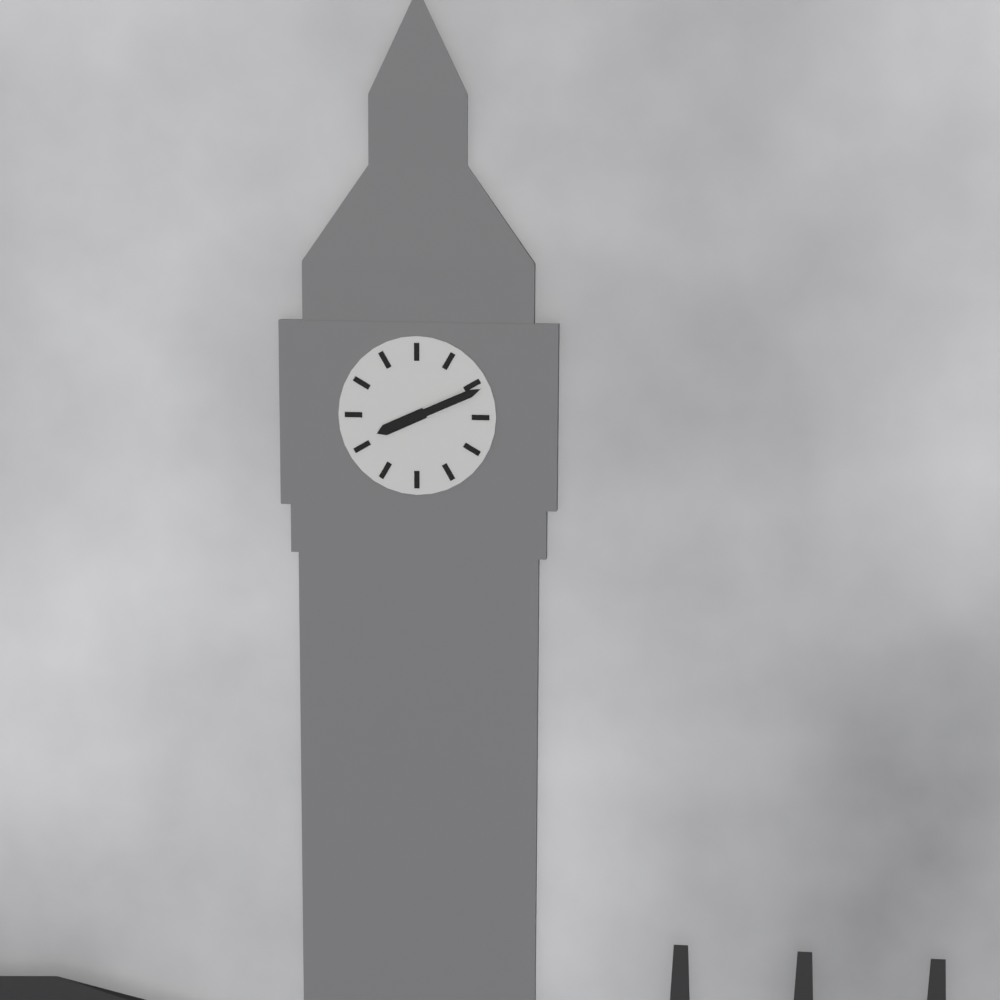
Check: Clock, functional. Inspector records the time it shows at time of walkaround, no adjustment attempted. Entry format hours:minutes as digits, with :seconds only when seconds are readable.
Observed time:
8:11
